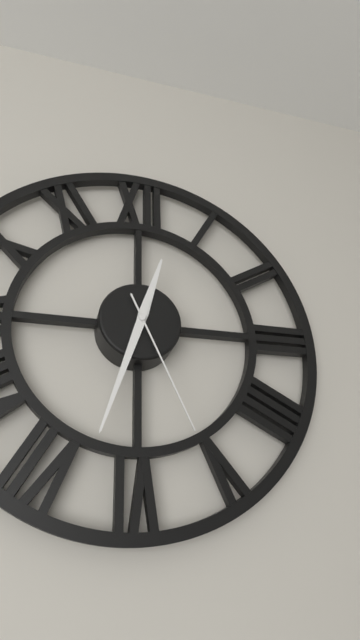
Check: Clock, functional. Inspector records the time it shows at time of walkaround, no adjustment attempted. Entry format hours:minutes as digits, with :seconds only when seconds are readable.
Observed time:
12:33:26
